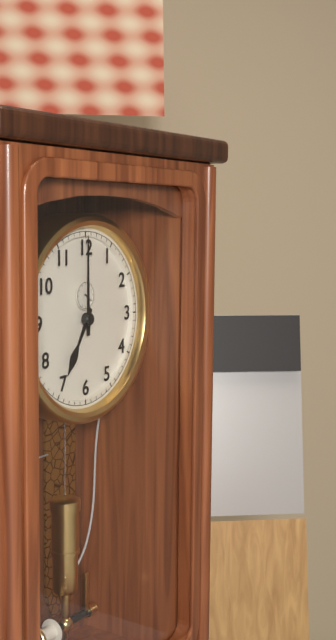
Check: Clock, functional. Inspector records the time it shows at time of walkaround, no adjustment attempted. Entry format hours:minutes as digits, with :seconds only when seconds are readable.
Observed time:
7:00
